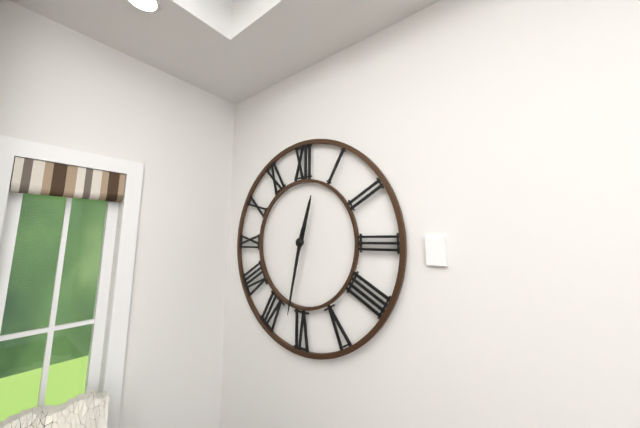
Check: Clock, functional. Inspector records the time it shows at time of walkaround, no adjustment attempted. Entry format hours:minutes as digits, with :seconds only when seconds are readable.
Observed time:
12:32
